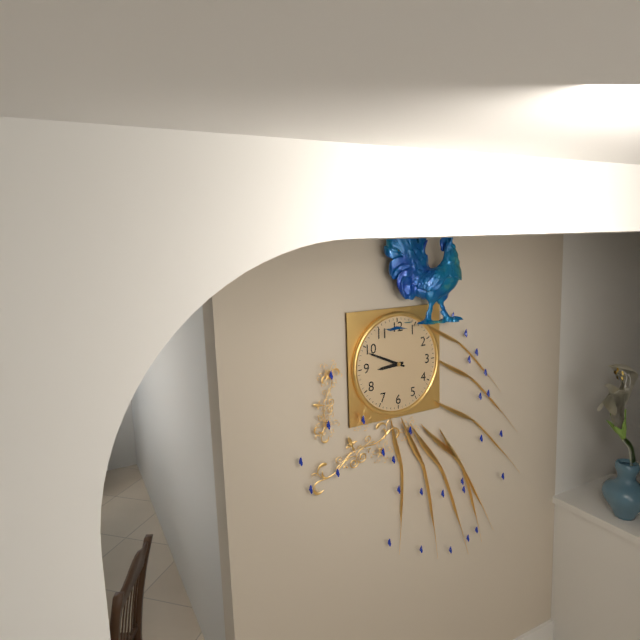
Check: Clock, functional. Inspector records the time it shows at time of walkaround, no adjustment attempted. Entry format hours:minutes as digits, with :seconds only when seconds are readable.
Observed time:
8:49
